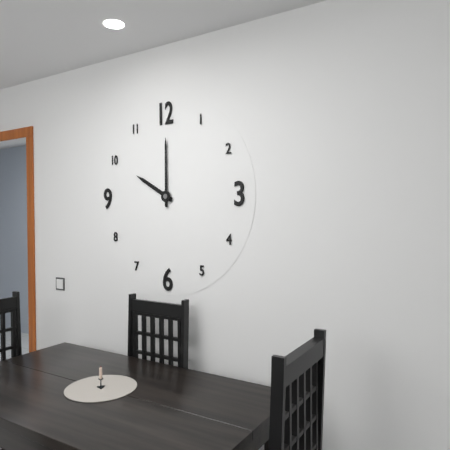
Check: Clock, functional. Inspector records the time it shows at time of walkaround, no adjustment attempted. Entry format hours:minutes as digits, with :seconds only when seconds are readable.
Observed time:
10:00
